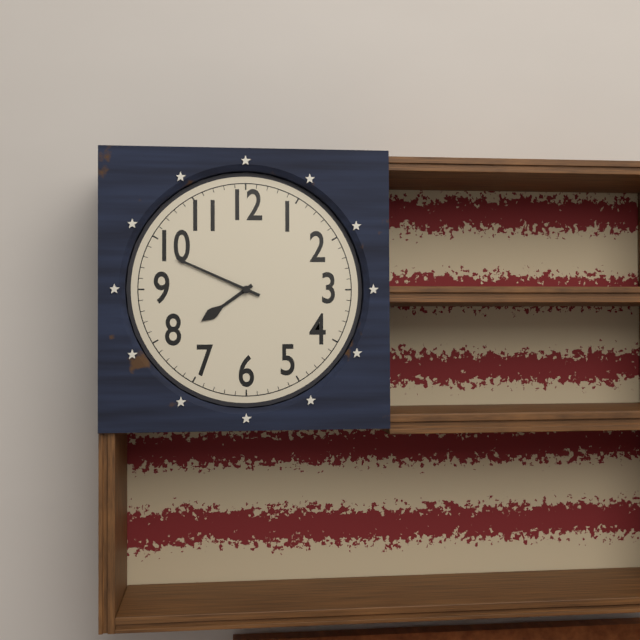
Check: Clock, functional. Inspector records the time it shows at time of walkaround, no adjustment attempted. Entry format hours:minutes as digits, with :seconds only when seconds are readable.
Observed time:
7:49
